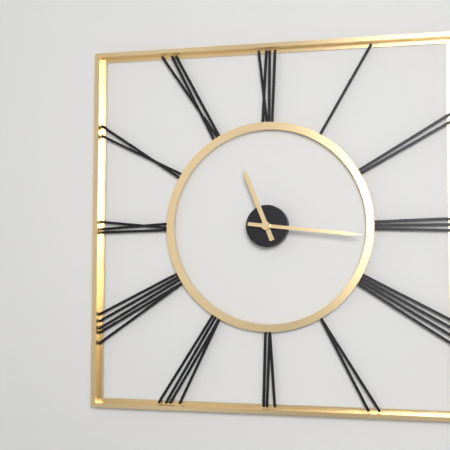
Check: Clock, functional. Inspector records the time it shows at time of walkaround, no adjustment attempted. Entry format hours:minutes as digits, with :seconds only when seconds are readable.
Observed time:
11:16
